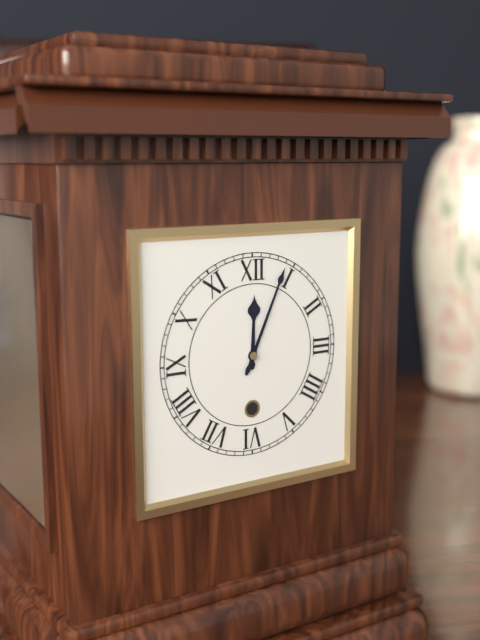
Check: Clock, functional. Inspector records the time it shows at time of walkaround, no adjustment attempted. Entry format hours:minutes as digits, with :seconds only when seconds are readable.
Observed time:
12:04
